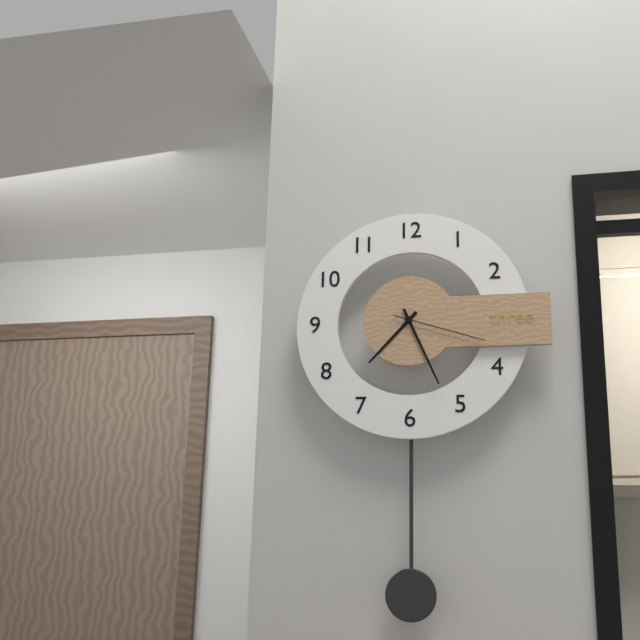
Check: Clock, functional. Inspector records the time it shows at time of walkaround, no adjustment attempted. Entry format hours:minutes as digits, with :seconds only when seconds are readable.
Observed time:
7:26:18
